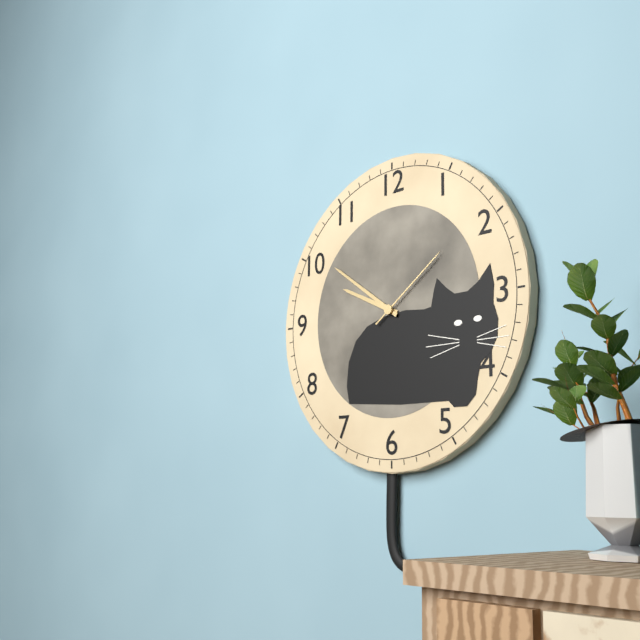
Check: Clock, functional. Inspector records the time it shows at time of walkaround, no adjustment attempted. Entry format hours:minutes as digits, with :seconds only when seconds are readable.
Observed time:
9:51:09
